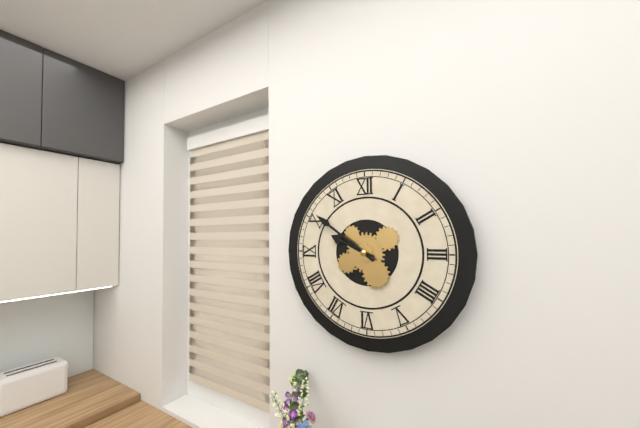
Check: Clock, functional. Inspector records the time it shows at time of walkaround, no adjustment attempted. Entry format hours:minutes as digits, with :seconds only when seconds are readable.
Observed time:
9:51
